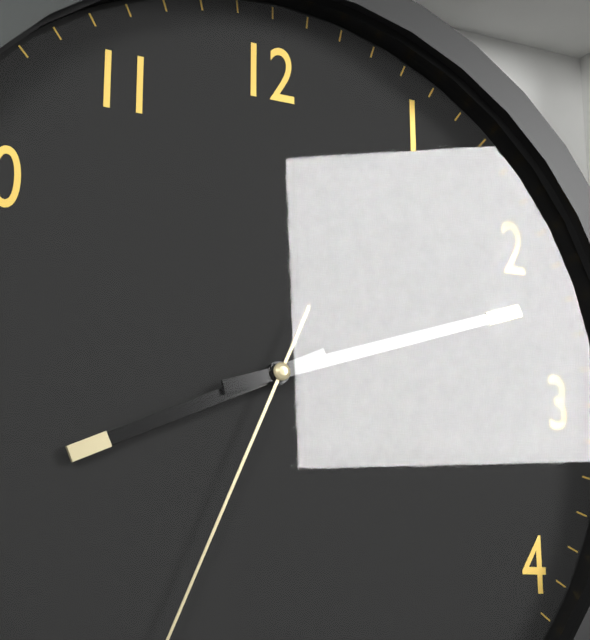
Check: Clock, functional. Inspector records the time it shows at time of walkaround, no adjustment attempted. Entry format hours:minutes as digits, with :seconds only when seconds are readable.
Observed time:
8:12
